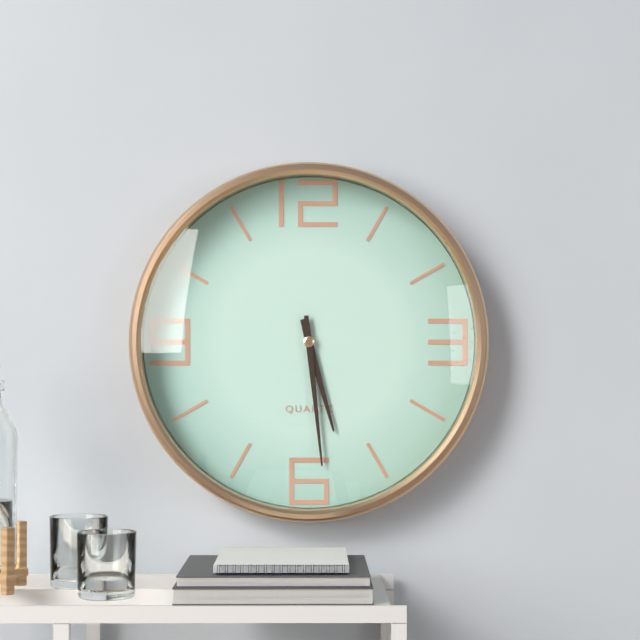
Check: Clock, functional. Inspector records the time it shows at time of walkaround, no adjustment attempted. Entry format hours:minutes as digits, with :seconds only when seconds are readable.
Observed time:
5:29
